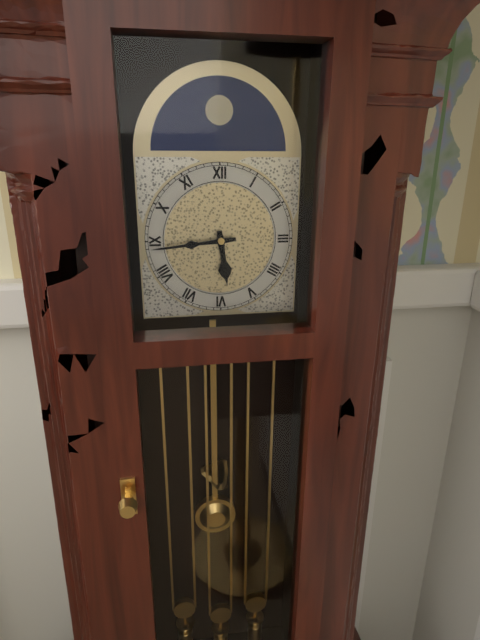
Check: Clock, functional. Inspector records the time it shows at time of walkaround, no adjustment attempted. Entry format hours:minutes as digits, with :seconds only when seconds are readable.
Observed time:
5:44
